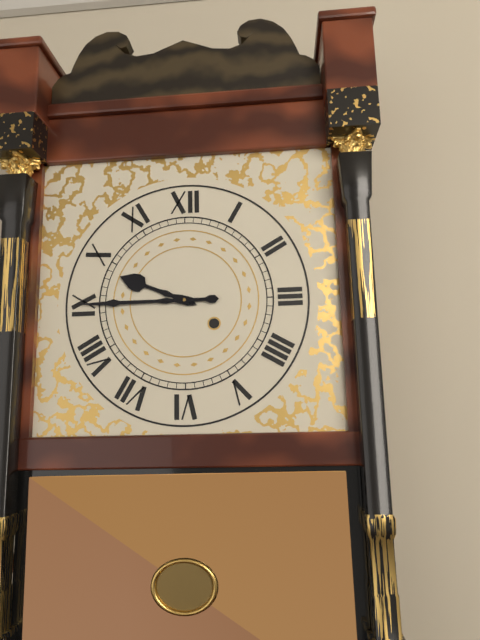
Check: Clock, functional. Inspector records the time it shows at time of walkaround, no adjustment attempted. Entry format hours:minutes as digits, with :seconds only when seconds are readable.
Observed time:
9:45
